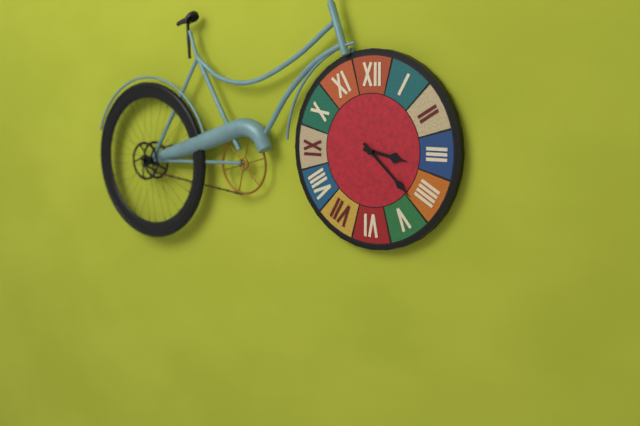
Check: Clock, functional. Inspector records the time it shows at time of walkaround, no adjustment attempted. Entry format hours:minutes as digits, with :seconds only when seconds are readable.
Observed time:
3:22
